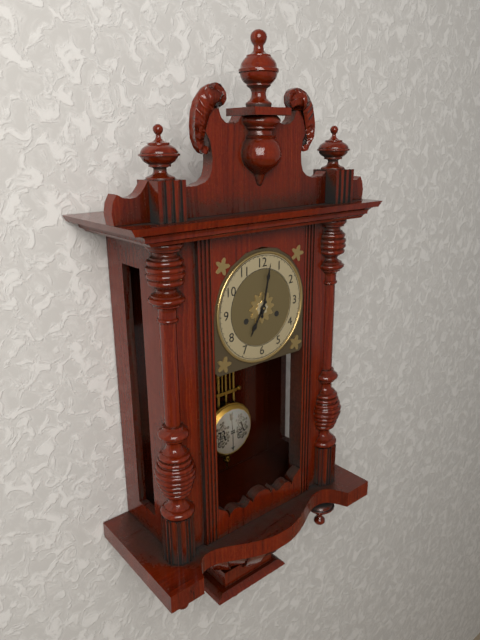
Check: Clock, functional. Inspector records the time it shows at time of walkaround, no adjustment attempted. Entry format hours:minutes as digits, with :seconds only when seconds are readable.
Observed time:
7:02
